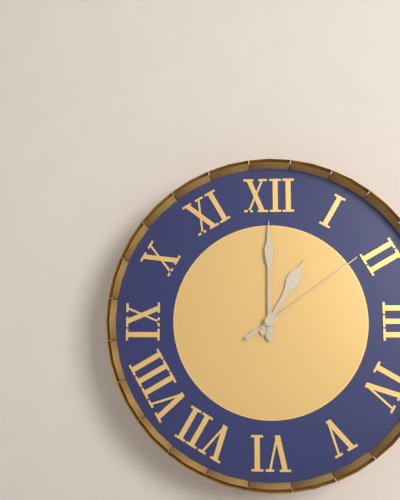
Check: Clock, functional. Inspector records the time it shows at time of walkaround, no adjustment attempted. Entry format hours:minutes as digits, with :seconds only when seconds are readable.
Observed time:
1:00:09
